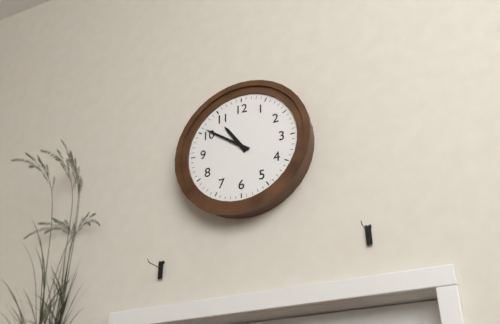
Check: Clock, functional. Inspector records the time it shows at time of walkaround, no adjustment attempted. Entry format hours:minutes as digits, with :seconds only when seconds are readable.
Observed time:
10:51
